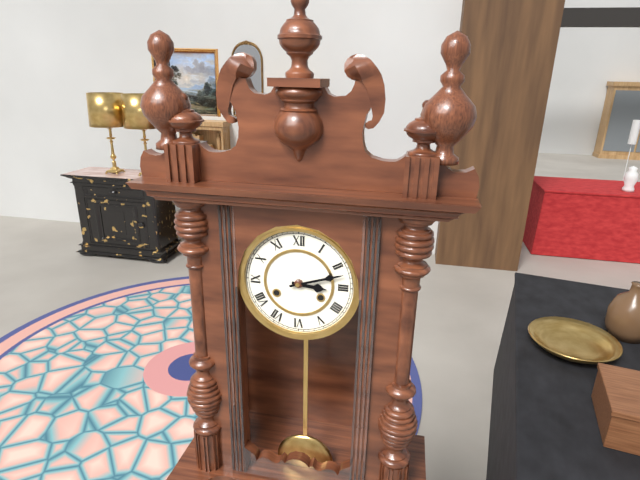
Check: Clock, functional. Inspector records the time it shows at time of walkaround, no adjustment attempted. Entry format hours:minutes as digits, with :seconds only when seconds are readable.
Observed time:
3:12
